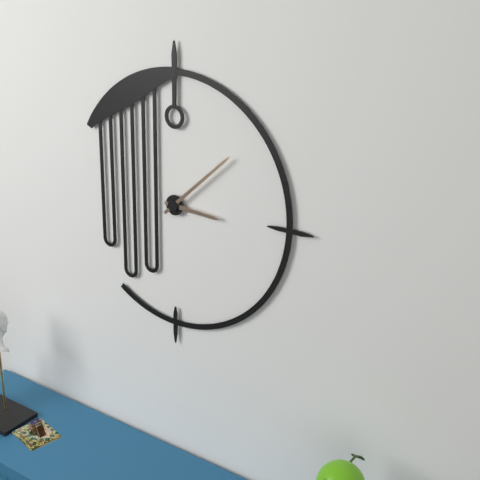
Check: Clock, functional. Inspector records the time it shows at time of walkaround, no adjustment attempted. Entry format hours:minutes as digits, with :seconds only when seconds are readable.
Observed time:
3:08
